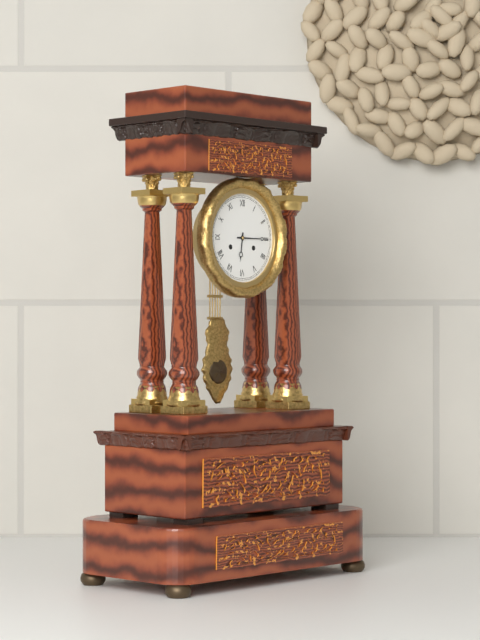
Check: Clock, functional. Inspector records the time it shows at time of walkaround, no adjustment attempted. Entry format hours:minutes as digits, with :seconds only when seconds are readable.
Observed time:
6:15
